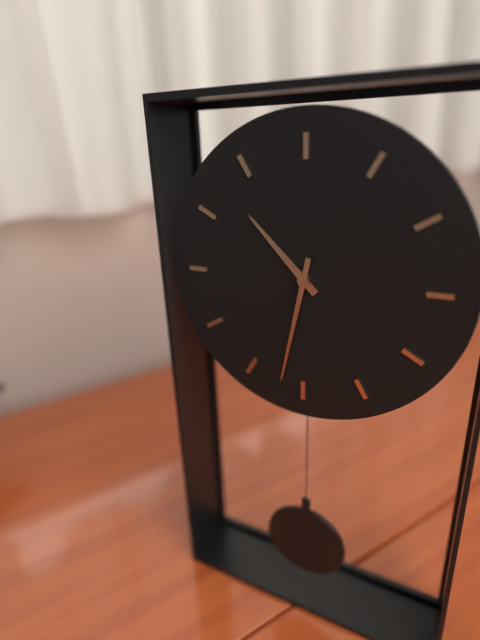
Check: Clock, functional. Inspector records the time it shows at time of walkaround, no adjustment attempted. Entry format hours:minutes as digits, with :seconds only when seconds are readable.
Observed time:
10:32
